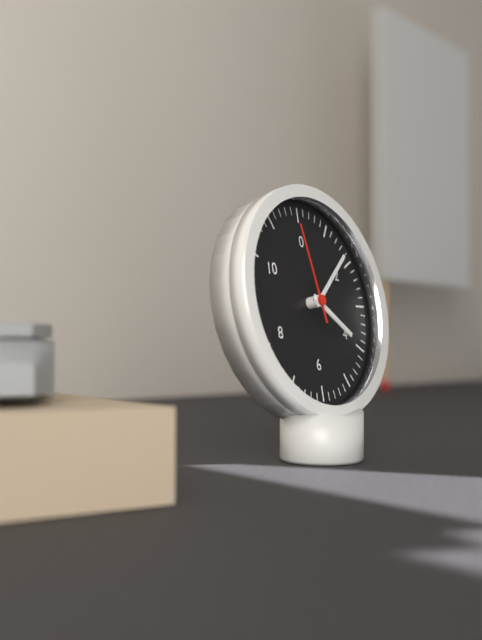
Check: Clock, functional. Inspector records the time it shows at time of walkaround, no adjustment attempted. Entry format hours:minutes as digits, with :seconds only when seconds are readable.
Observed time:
4:08:58
